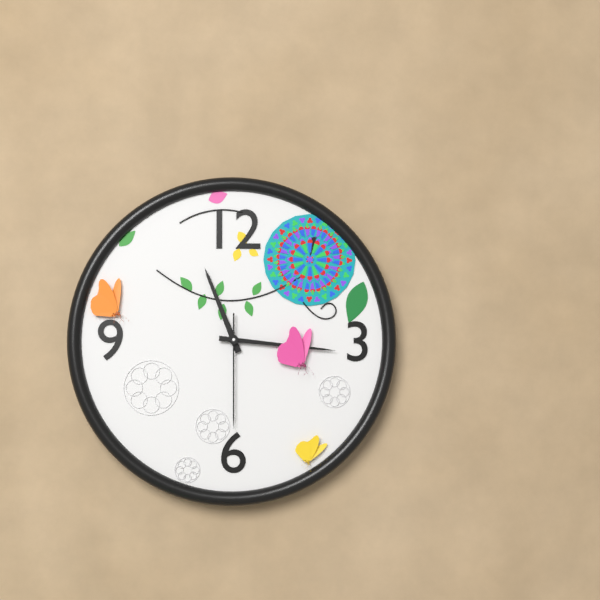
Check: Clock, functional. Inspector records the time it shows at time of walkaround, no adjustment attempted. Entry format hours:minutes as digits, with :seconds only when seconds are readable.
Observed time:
11:16:30
